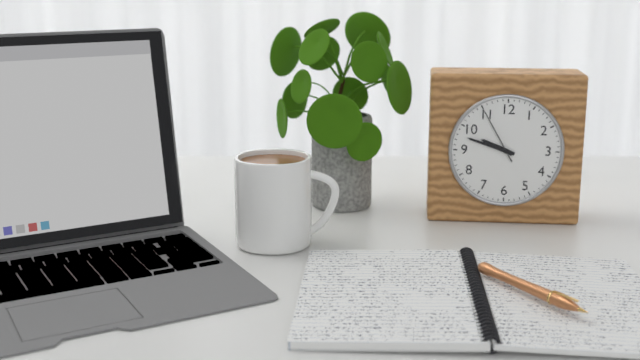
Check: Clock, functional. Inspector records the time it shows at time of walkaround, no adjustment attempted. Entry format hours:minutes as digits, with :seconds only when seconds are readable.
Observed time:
9:48:55
